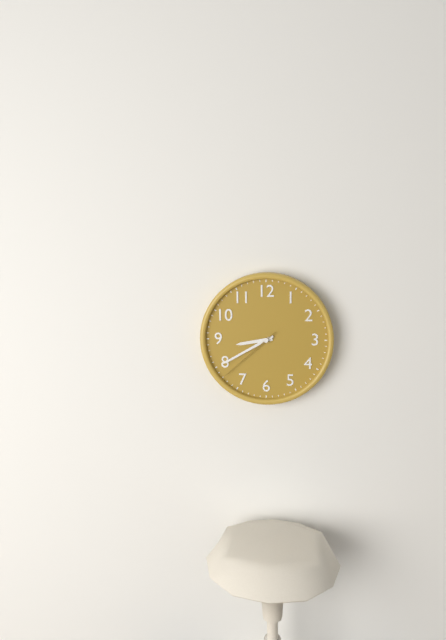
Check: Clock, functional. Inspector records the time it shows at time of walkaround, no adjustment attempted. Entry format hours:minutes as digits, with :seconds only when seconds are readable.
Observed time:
8:40:38
